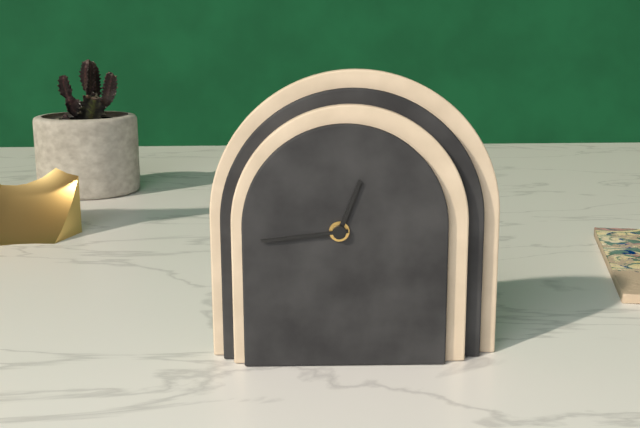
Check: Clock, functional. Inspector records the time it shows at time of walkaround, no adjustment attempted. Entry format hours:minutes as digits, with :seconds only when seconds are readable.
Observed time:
12:44
